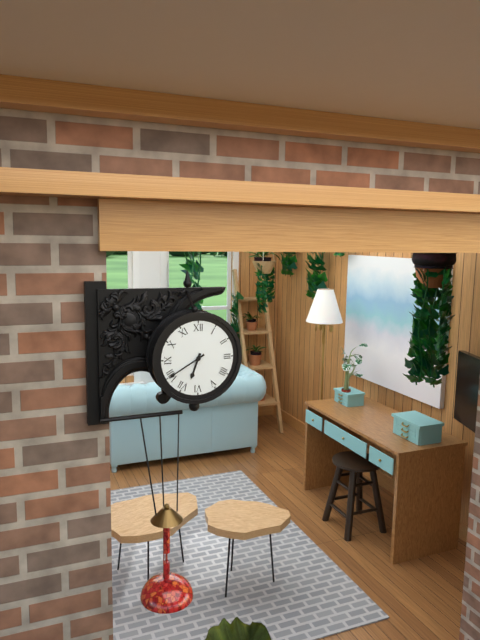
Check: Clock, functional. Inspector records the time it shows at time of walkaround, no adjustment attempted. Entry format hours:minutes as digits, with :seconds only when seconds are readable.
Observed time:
6:40
